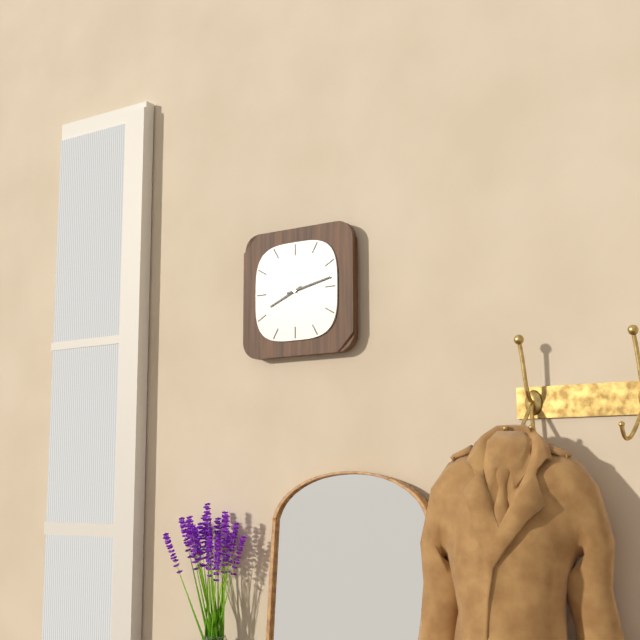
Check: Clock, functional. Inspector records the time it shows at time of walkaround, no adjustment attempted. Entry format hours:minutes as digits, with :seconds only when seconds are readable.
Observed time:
8:13
